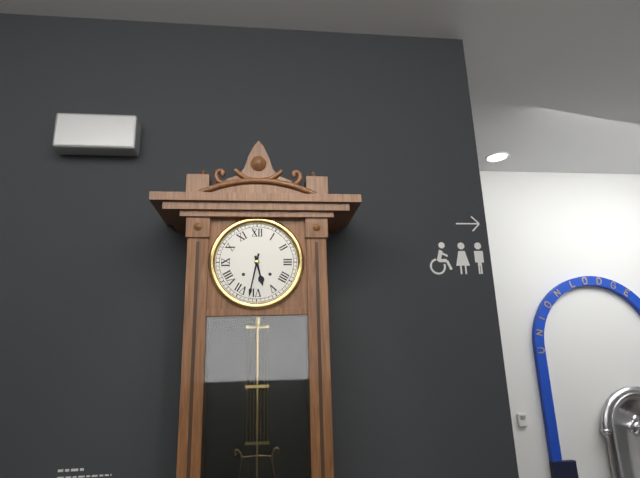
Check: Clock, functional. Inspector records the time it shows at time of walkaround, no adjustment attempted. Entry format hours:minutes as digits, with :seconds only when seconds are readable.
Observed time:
5:32
